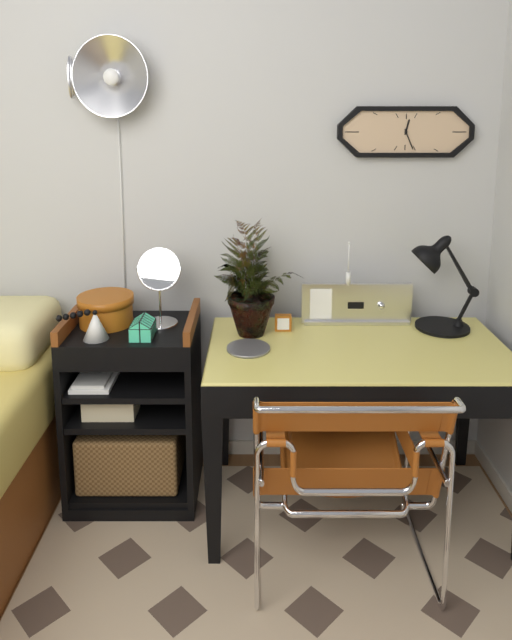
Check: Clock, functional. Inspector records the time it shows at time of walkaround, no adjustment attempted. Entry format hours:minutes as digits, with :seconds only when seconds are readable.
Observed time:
12:26
